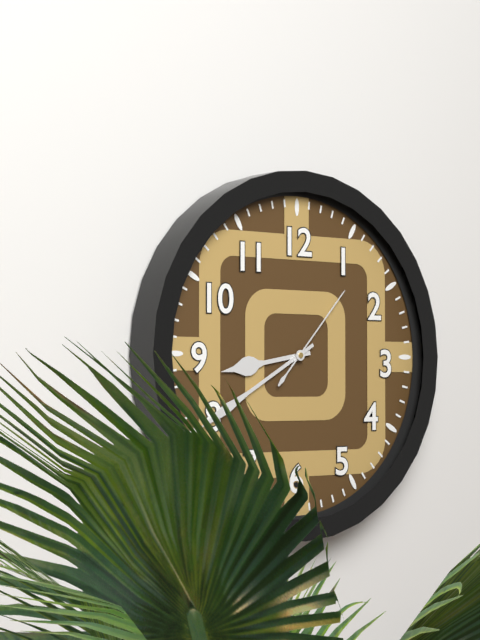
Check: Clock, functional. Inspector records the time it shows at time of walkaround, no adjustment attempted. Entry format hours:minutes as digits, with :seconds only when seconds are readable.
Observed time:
8:40:07
